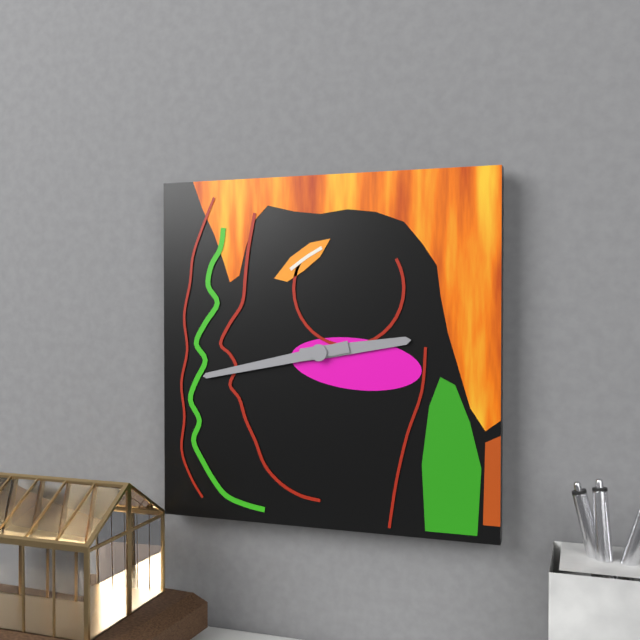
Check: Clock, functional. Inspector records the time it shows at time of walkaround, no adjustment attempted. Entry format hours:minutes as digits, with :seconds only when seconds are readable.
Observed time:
2:43
